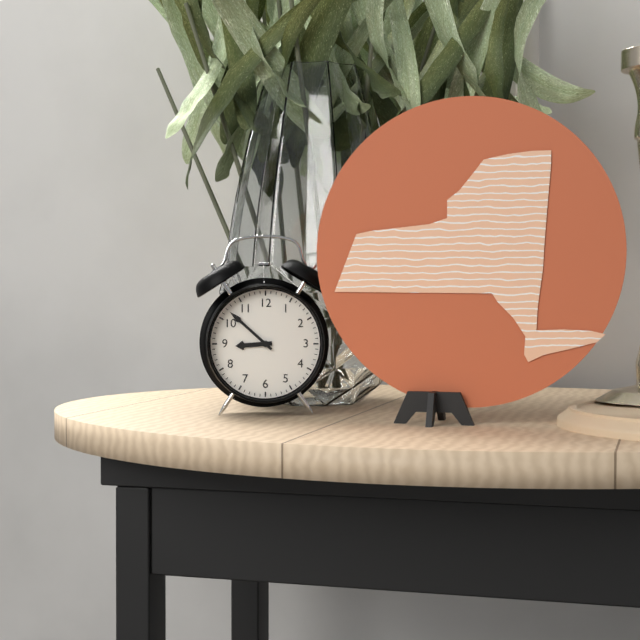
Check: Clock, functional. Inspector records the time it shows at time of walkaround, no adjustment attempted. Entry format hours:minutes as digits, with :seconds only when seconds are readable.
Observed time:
8:52
